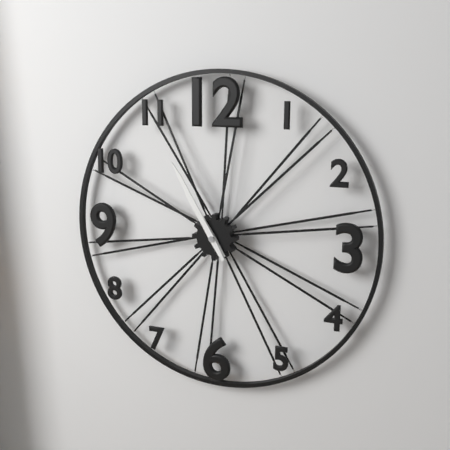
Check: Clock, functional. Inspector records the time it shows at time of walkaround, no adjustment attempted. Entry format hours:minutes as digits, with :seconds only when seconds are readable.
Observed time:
10:55
